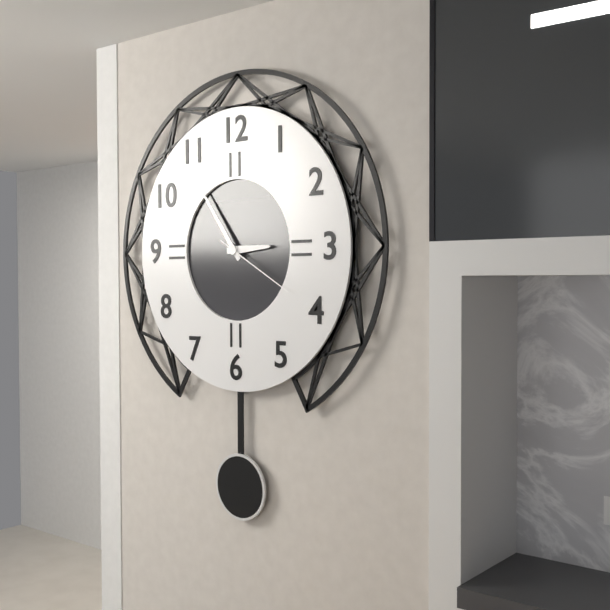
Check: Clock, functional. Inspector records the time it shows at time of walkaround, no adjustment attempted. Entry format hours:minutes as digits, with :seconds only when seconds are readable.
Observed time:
2:54:20
